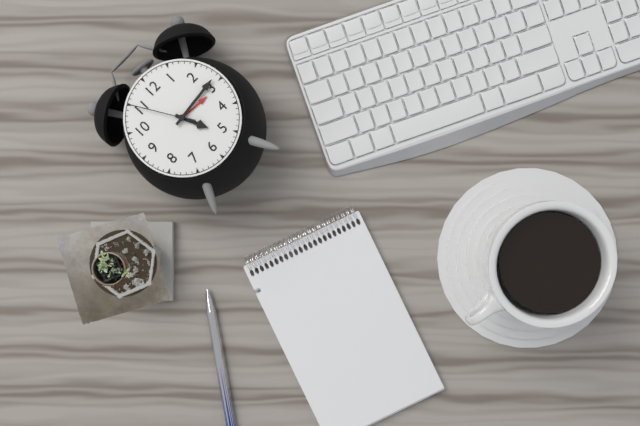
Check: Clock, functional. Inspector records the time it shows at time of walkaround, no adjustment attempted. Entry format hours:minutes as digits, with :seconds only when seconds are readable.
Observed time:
5:14:55
